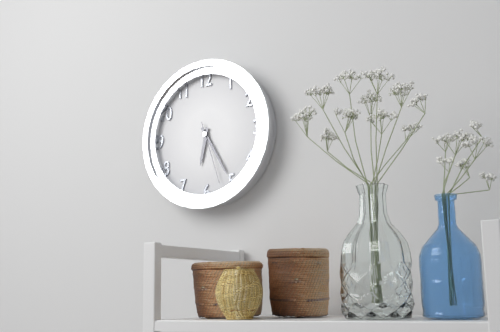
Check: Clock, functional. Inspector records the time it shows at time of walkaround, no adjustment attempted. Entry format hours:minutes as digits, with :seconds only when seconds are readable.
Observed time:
6:25:27
